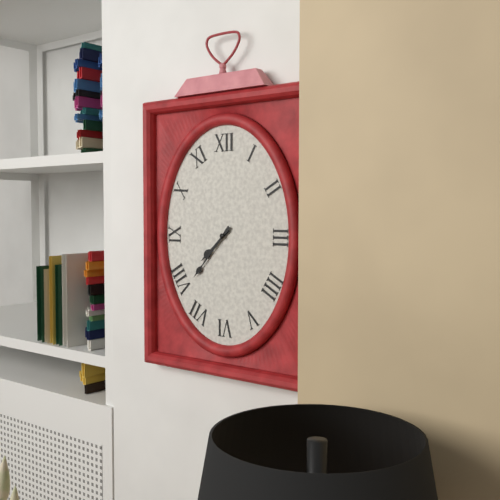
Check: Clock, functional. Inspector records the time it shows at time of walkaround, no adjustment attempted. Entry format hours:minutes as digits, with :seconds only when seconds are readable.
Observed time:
7:37
